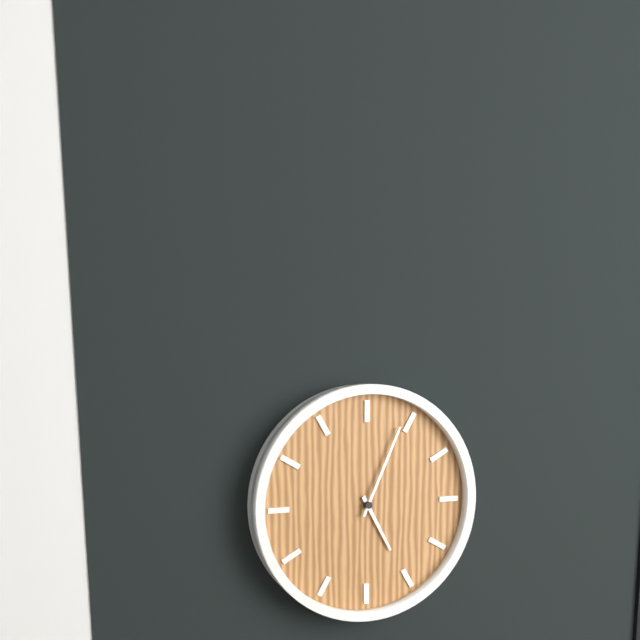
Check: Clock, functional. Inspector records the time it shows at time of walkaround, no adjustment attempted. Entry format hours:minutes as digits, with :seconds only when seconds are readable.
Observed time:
5:04
